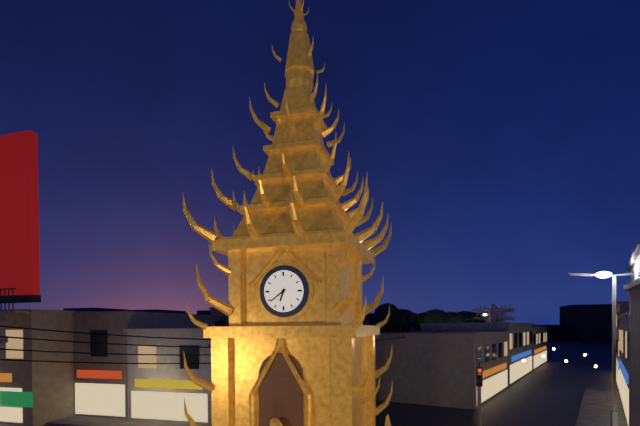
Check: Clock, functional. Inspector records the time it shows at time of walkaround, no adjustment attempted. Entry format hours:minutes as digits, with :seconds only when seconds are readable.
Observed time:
6:39
